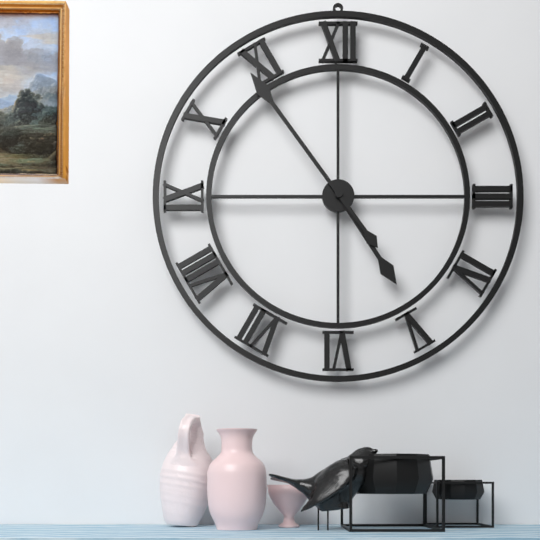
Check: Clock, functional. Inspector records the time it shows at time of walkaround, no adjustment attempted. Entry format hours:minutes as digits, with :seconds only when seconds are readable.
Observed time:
4:54
